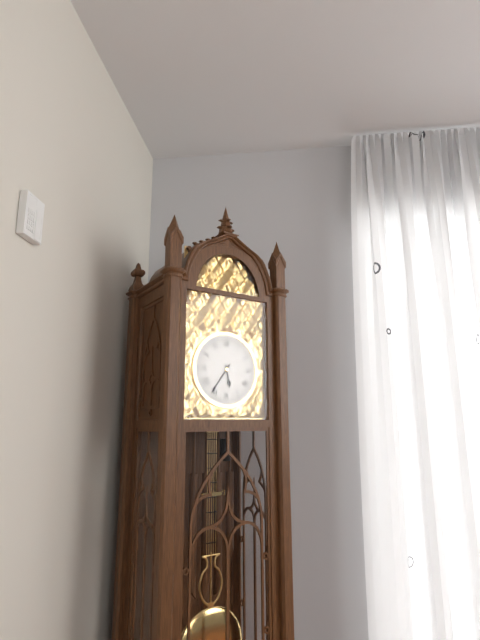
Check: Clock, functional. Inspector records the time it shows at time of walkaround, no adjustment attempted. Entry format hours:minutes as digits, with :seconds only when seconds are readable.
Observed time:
5:36
